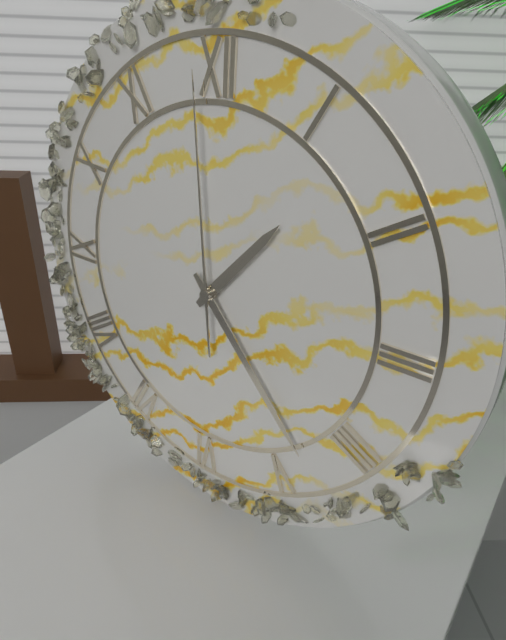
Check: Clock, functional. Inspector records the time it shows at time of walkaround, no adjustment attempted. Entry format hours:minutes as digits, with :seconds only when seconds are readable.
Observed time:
1:23:59
